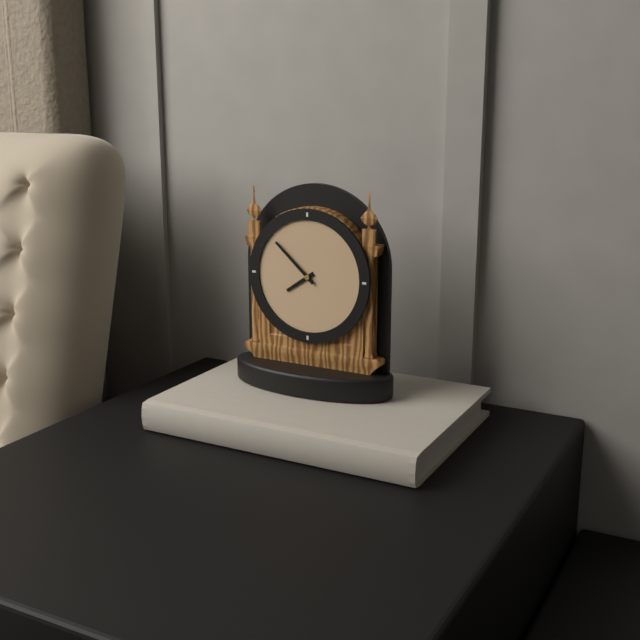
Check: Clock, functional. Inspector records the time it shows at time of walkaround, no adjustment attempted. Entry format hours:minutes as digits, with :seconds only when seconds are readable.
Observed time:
7:52
